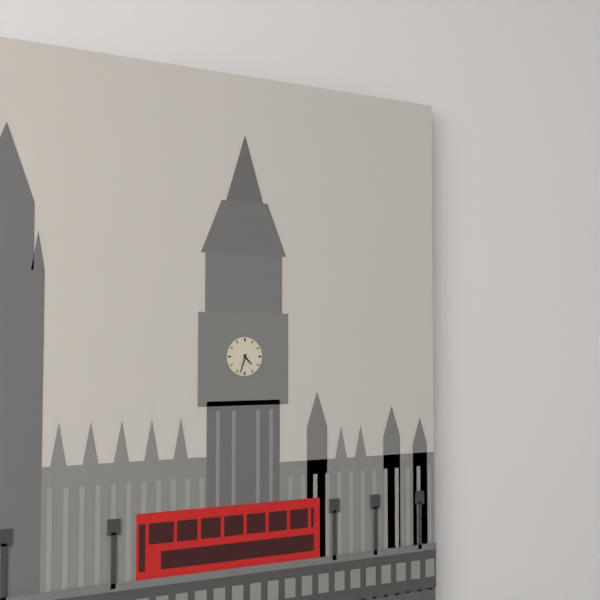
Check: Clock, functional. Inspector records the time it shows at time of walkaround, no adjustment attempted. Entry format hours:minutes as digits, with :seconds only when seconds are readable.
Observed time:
4:33
